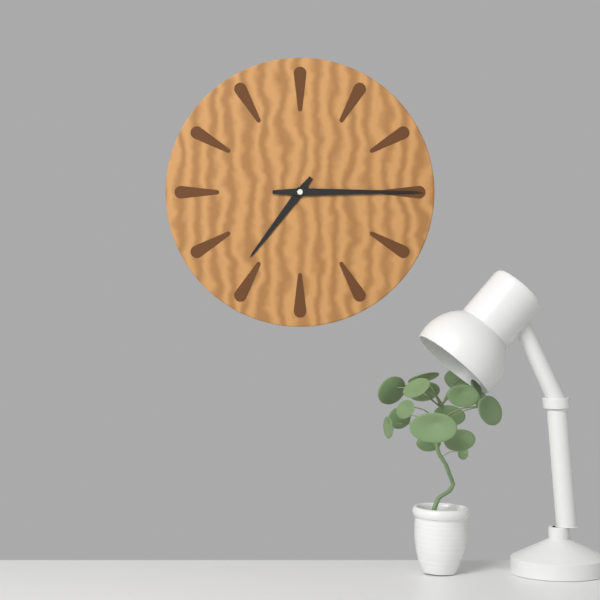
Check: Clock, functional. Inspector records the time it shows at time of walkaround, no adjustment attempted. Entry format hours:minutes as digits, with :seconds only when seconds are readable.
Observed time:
7:15
